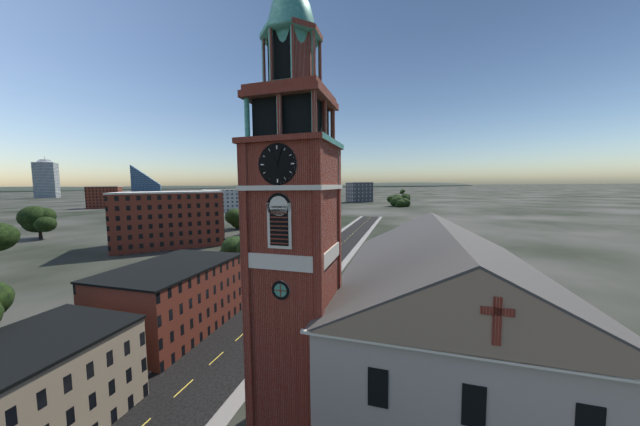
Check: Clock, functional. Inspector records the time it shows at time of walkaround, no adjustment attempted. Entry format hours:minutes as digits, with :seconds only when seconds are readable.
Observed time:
11:03
